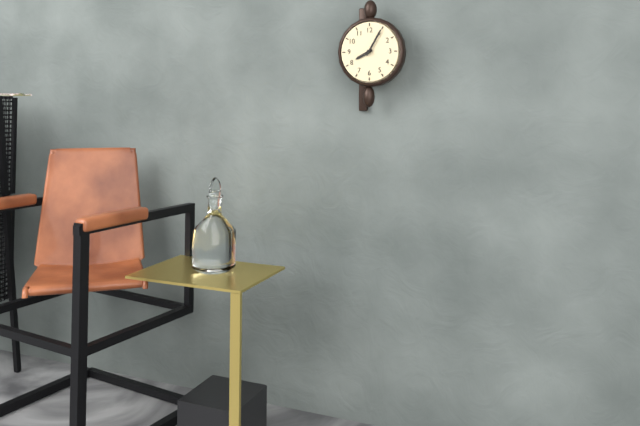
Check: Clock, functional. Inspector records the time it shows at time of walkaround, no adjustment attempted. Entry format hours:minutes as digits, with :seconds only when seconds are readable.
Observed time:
8:05
